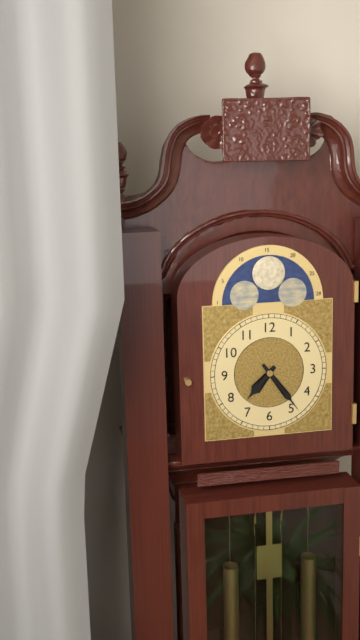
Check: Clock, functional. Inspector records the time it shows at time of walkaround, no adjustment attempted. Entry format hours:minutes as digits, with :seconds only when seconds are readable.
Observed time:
7:24
